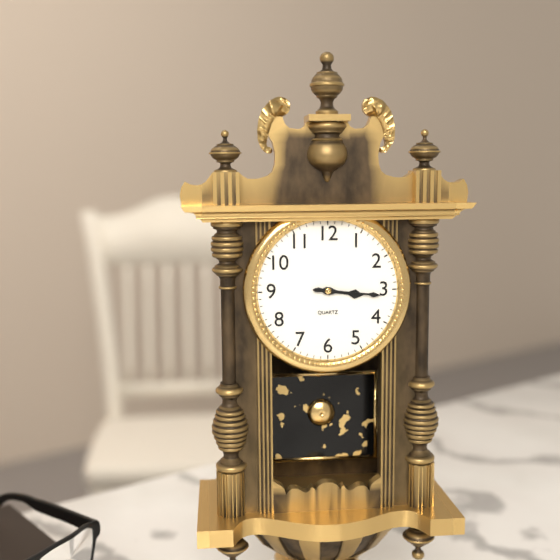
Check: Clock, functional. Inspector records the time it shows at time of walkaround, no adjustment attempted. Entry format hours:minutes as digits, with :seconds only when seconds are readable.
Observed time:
3:16
